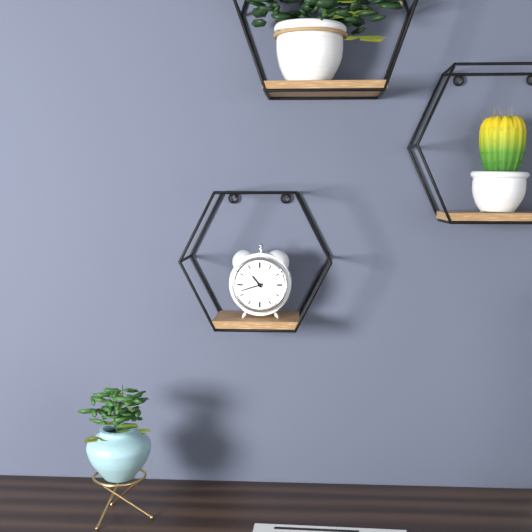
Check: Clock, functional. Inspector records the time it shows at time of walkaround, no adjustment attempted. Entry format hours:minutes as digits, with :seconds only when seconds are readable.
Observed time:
10:42
